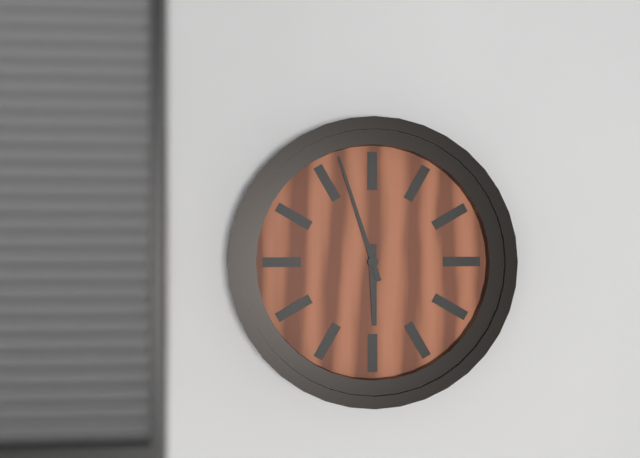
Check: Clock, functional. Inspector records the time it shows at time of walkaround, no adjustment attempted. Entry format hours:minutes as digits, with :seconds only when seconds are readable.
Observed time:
5:57
